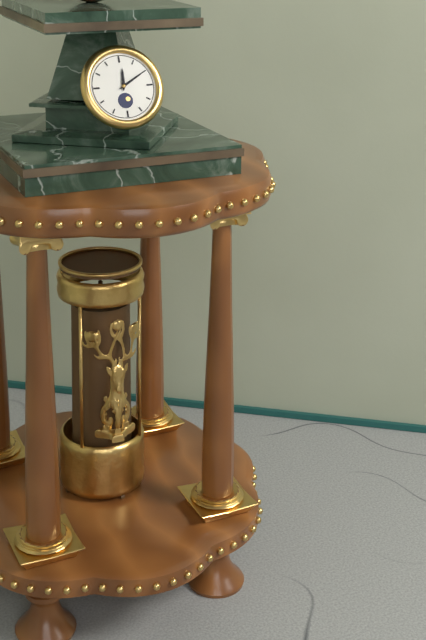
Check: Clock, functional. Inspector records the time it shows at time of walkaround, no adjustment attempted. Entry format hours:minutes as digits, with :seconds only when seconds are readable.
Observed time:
12:10
